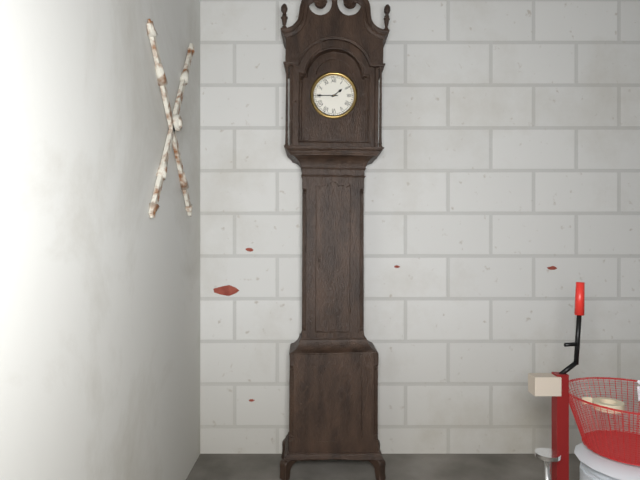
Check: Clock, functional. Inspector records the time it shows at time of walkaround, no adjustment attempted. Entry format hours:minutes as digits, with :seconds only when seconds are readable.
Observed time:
1:45
